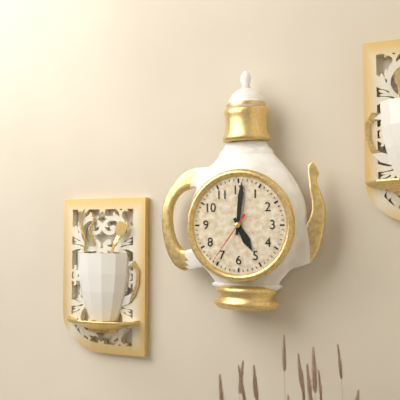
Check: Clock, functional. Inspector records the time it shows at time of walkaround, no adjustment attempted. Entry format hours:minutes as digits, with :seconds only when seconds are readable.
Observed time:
5:01:36
